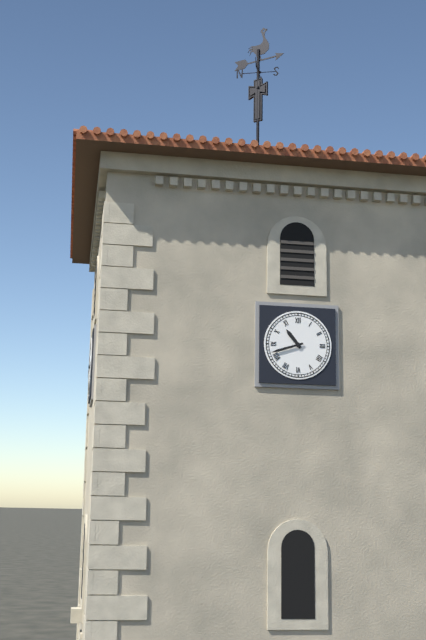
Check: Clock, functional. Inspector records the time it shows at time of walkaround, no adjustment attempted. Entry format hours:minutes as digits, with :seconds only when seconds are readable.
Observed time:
10:42
